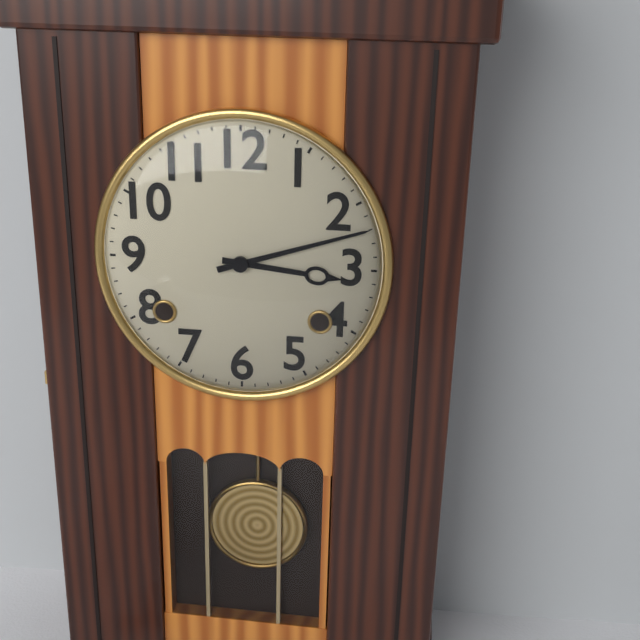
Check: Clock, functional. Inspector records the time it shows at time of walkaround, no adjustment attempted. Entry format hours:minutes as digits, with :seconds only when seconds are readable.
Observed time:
3:12
